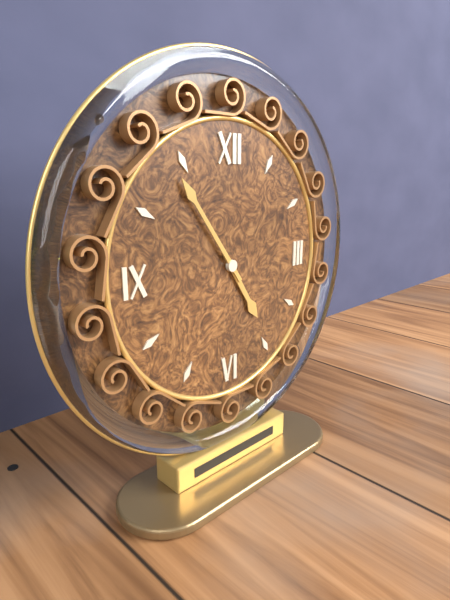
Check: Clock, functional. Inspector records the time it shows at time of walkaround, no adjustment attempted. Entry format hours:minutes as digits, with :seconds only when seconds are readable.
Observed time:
4:54
